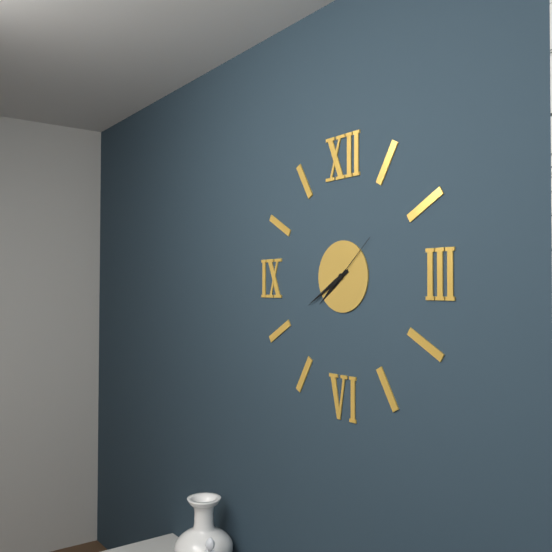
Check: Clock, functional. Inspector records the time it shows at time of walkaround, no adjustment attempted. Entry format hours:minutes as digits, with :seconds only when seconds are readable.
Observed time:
7:40:08
